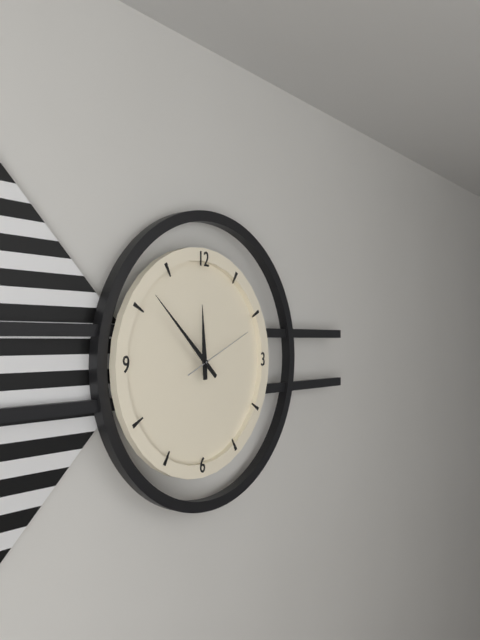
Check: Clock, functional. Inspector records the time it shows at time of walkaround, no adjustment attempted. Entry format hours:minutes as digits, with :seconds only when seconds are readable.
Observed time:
11:52:11
